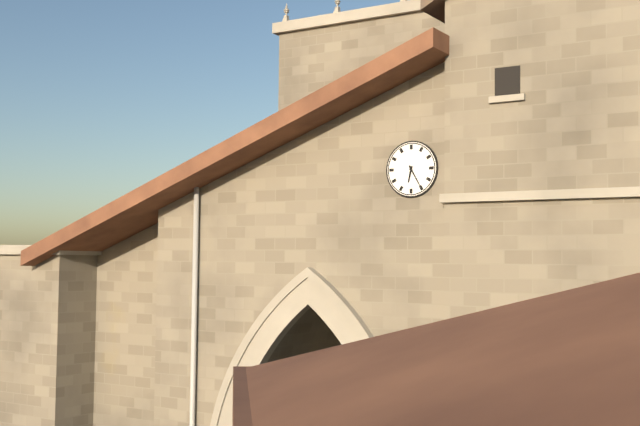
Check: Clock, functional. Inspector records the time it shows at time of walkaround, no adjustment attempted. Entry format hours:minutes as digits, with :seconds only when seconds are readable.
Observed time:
6:25
